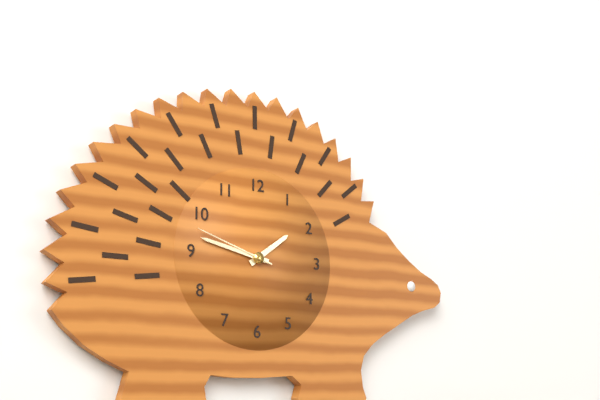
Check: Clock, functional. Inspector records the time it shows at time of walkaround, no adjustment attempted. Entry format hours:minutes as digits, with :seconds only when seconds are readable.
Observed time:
1:47:48
